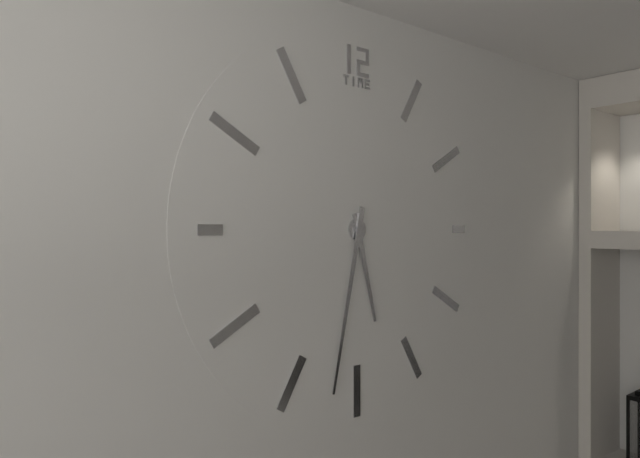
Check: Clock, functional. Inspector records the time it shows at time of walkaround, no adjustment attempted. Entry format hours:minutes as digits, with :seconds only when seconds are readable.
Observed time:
5:32
